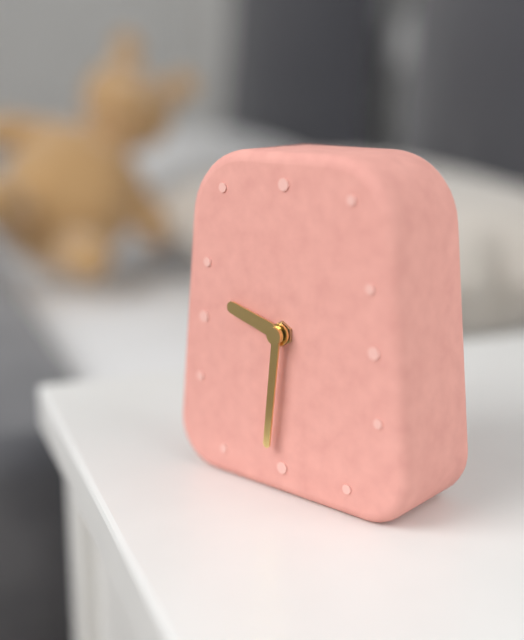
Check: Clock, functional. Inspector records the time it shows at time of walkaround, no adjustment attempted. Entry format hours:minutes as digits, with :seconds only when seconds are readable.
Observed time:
9:31
